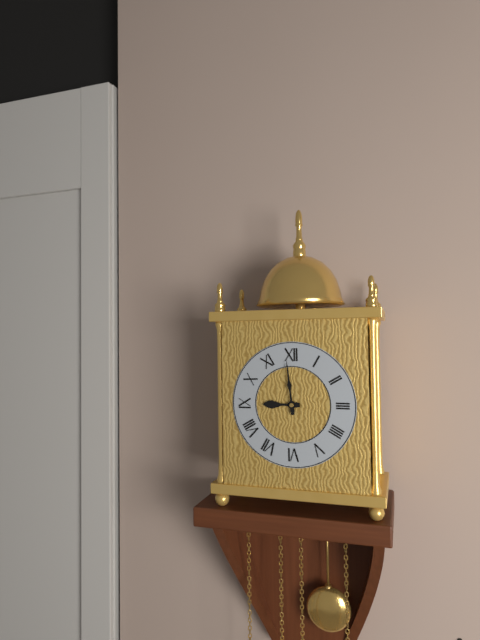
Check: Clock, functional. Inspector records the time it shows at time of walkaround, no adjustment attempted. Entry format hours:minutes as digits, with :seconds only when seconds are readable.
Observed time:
8:59
